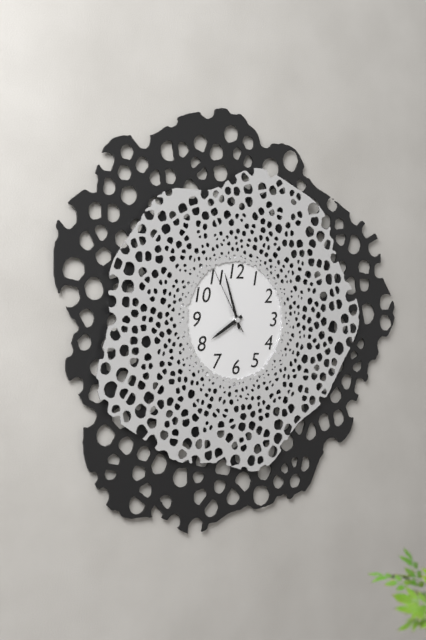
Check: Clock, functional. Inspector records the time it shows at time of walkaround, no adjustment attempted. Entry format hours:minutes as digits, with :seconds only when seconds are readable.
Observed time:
7:57:55
